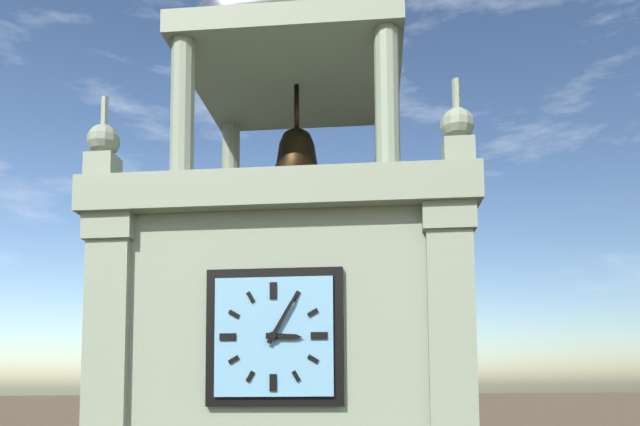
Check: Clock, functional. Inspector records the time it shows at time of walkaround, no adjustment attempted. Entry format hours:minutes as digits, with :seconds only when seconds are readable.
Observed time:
3:05
